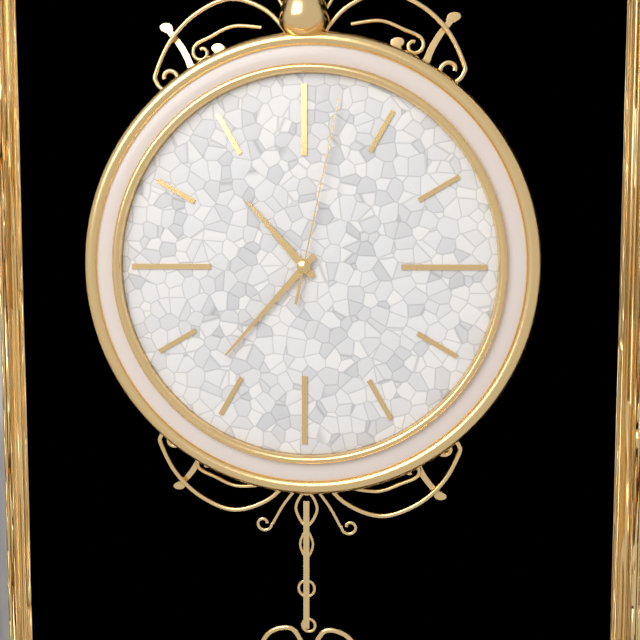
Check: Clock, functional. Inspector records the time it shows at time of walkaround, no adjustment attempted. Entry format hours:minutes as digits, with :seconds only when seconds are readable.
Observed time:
10:37:02
